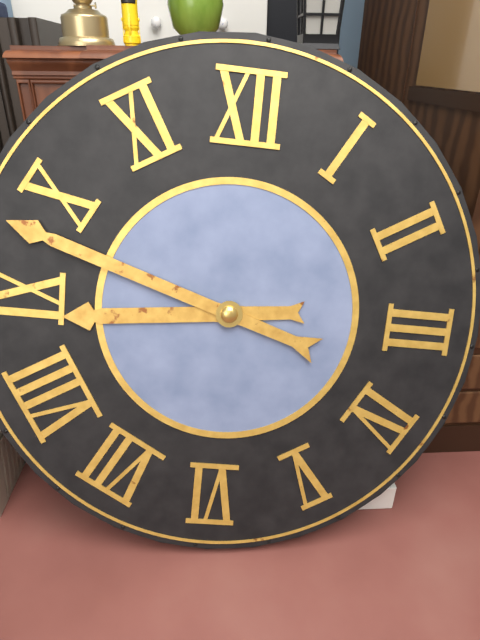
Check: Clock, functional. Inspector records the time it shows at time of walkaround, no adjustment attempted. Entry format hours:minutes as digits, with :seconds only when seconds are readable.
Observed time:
8:48
